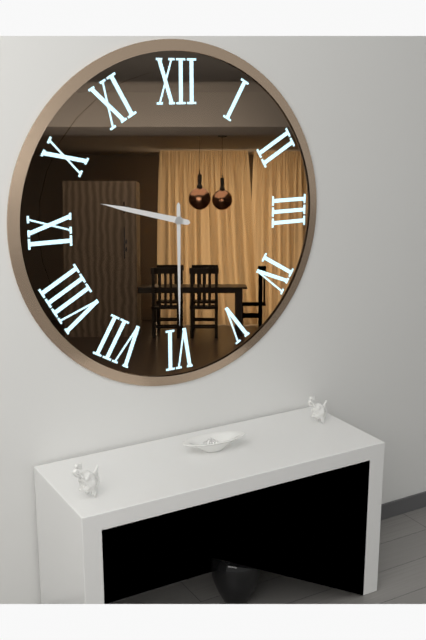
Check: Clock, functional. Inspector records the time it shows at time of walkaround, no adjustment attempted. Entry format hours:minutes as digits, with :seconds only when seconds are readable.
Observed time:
9:30
